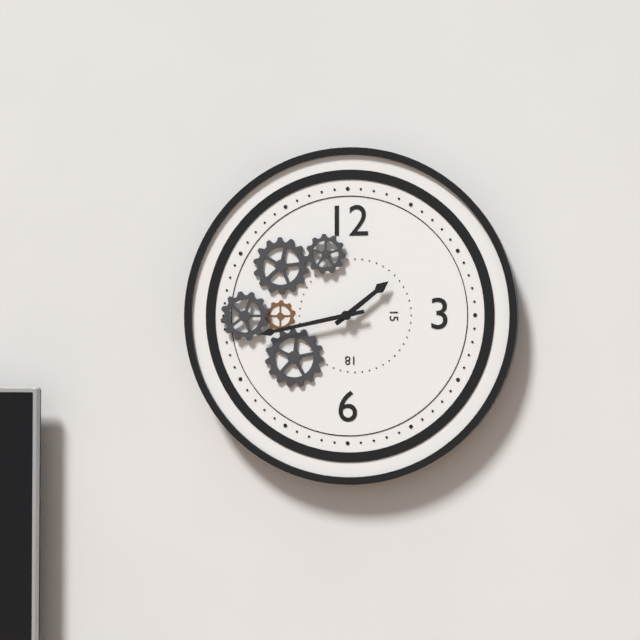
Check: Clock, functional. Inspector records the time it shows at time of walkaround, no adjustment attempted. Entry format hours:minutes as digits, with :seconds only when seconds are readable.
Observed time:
1:43
